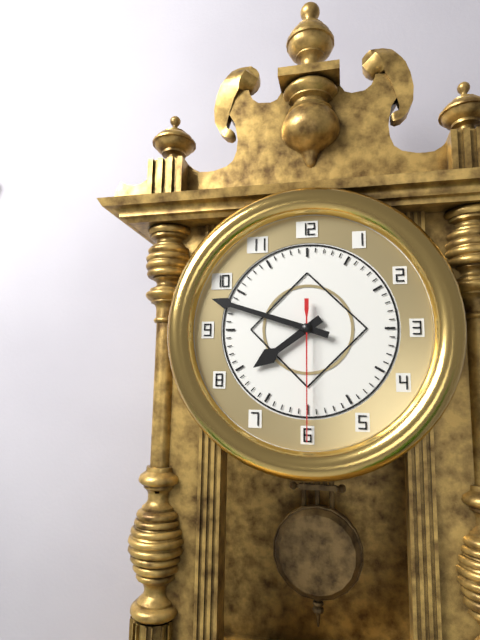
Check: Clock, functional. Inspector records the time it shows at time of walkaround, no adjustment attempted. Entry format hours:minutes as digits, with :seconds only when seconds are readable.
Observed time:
7:48:30
